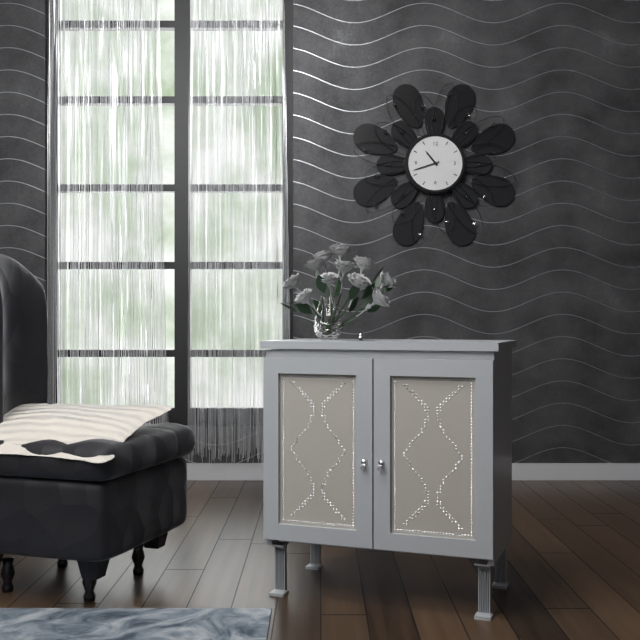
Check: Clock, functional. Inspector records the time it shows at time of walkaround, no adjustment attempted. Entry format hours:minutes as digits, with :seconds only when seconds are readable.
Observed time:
10:42
